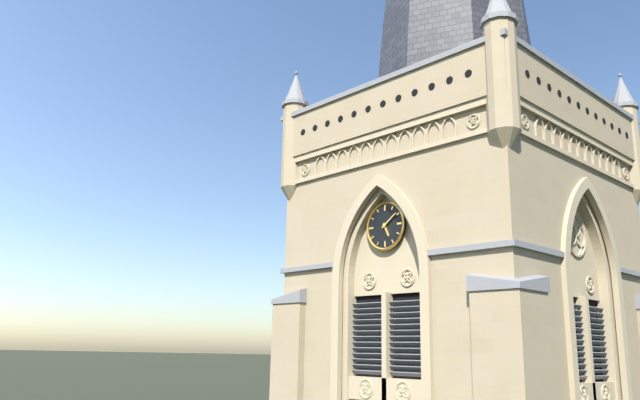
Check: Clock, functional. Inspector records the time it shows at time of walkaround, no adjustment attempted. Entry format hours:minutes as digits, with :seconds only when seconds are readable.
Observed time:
5:09
